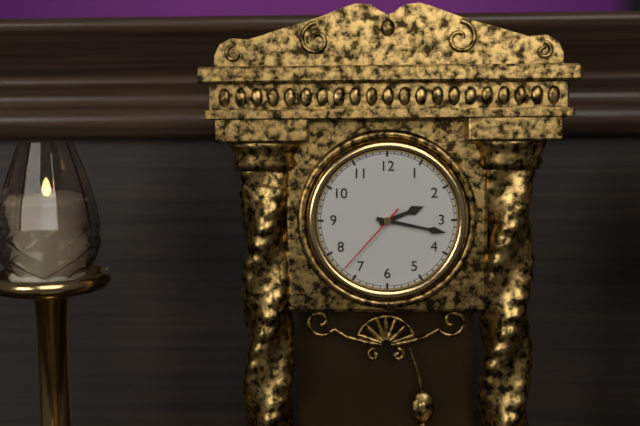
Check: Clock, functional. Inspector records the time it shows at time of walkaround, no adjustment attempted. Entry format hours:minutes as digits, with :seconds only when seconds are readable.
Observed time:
2:17:37
